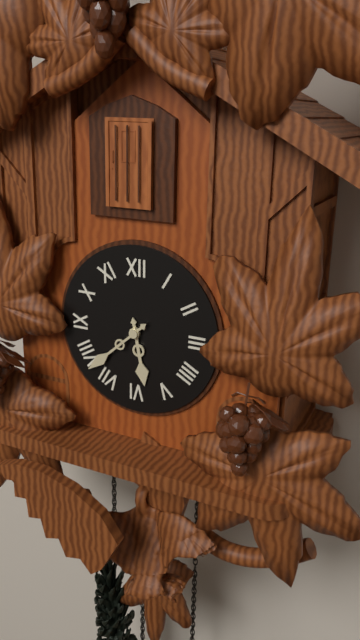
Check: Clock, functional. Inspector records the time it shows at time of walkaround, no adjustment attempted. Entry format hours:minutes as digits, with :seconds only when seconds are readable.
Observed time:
5:38
